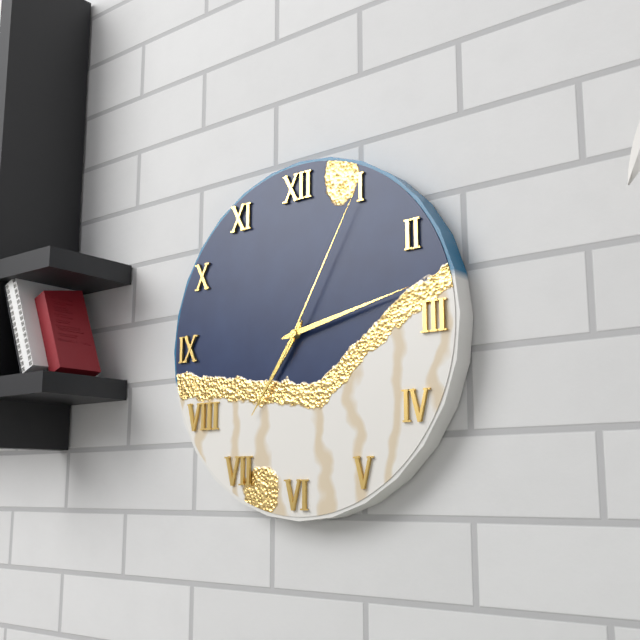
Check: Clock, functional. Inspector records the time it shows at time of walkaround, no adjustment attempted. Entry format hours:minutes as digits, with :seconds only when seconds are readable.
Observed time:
7:13:05
